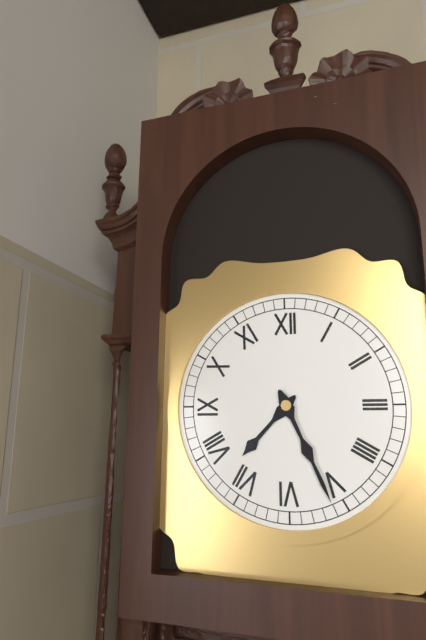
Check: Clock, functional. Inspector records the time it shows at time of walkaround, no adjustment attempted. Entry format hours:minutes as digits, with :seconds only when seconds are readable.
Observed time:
7:26
